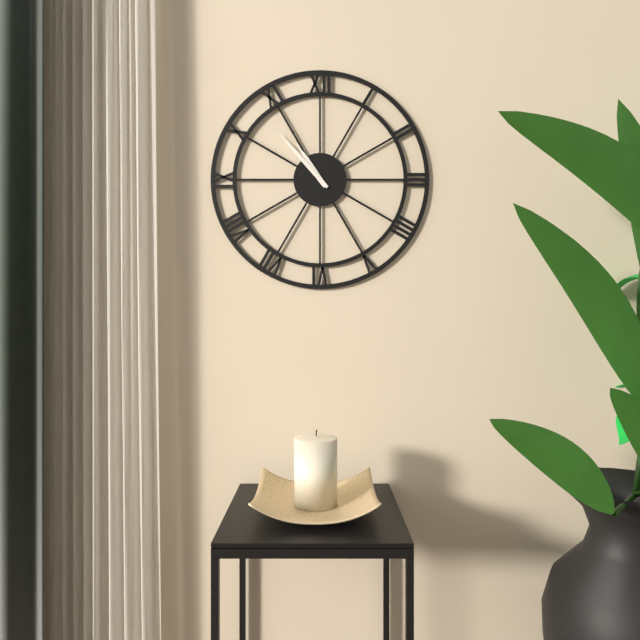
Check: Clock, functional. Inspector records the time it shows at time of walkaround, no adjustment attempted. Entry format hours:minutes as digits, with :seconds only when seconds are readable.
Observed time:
10:53
